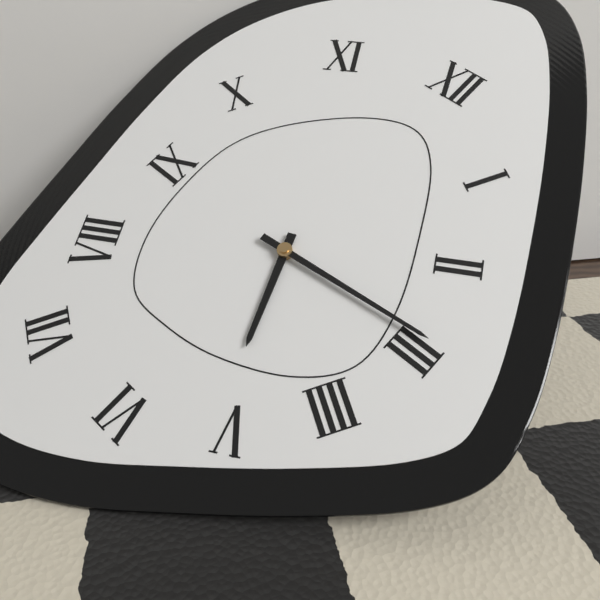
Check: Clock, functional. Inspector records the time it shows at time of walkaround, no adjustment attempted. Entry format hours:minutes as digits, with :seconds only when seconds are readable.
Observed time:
5:14
